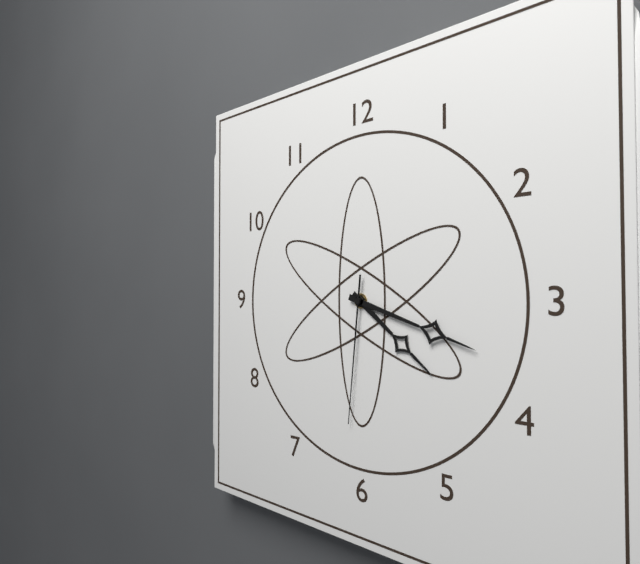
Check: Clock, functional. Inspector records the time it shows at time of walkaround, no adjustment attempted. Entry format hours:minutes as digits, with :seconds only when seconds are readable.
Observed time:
4:18:31
